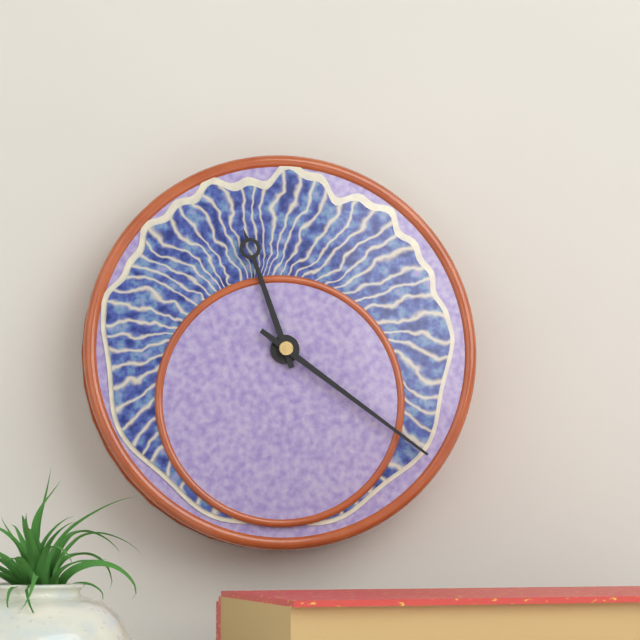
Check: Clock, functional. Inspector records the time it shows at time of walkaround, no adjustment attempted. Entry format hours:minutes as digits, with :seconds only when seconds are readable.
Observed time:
11:21
